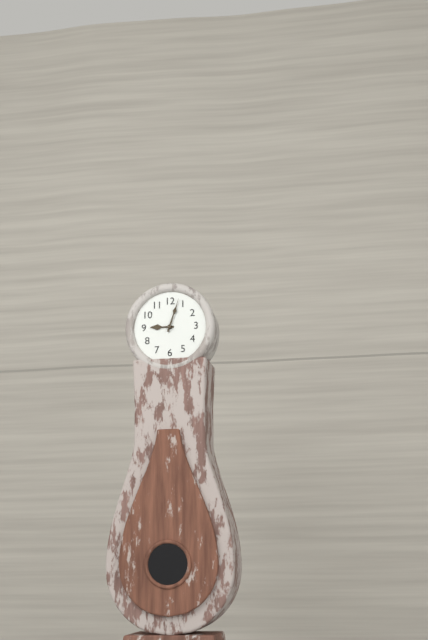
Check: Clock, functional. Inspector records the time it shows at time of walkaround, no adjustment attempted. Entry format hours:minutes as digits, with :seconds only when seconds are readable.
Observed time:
9:03
